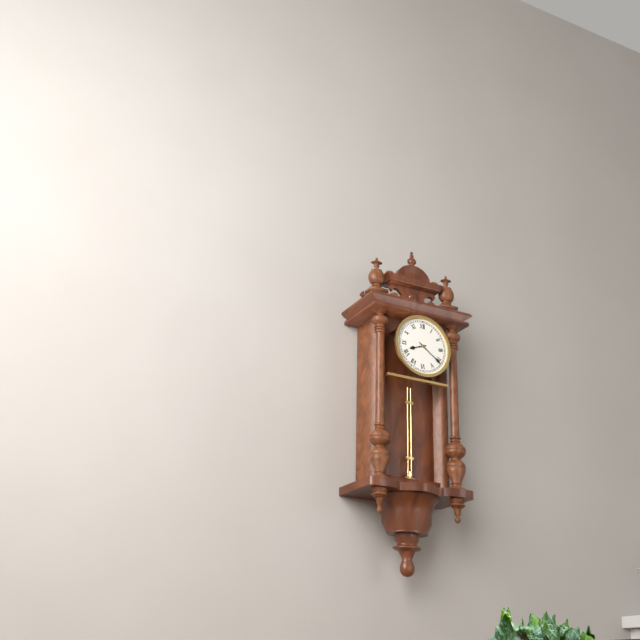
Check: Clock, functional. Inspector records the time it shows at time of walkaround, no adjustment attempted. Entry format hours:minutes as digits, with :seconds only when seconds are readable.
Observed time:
8:21
